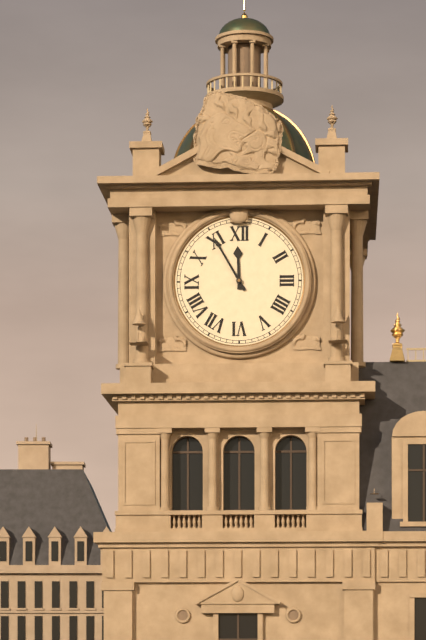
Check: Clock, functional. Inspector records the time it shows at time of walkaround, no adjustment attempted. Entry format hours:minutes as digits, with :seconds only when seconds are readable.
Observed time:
11:55
